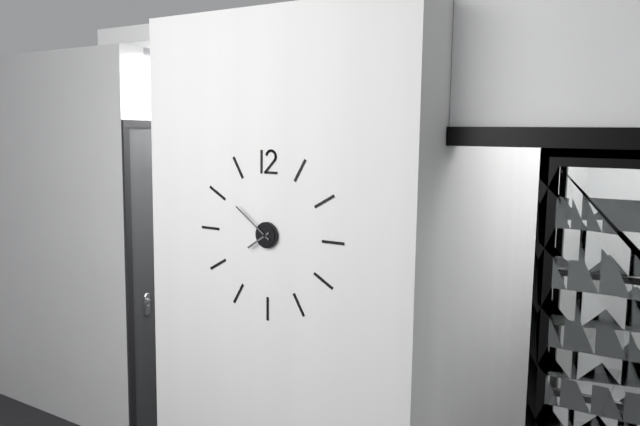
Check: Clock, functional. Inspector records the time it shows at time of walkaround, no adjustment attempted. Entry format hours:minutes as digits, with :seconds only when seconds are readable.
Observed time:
7:51
